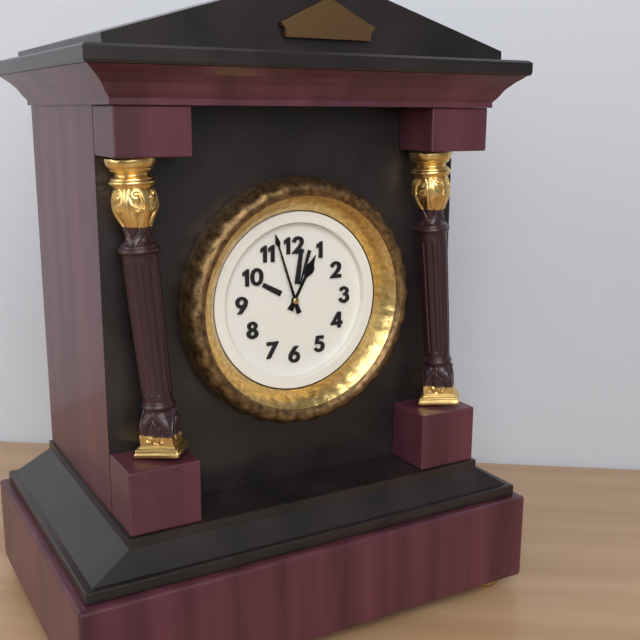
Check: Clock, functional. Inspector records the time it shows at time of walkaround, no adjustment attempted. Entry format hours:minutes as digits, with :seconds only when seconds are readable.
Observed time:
12:57
